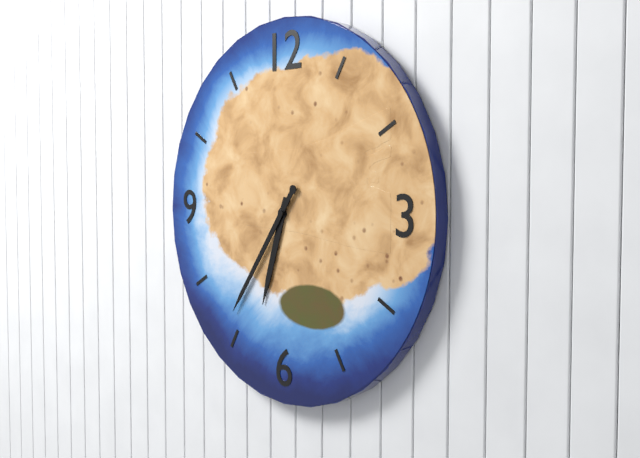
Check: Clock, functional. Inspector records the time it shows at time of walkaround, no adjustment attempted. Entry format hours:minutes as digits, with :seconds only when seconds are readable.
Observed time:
6:36
